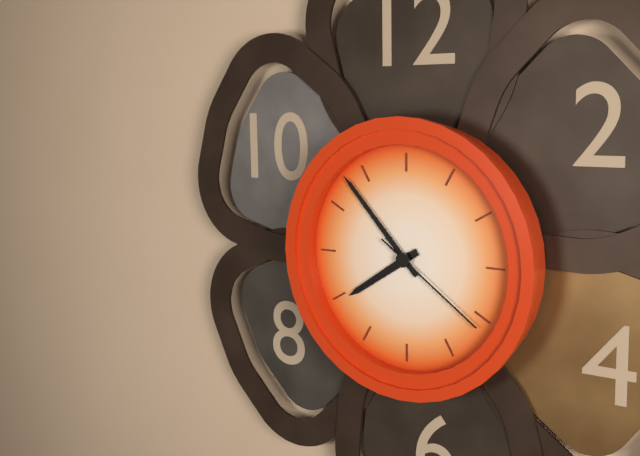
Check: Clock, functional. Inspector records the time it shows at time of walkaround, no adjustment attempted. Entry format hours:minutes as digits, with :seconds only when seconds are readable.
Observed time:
7:53:21
